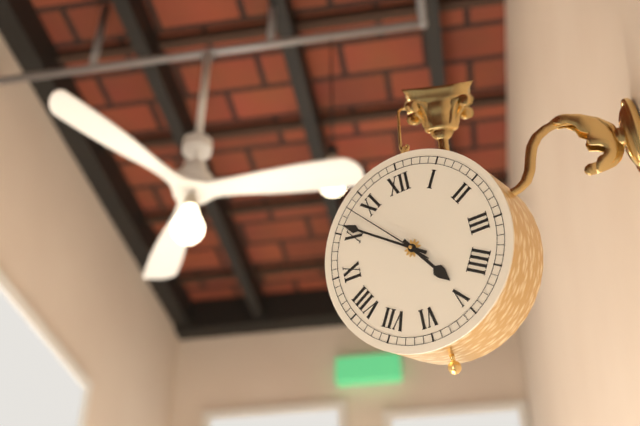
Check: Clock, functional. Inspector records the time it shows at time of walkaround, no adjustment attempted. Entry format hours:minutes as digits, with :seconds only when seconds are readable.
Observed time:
4:51:53
